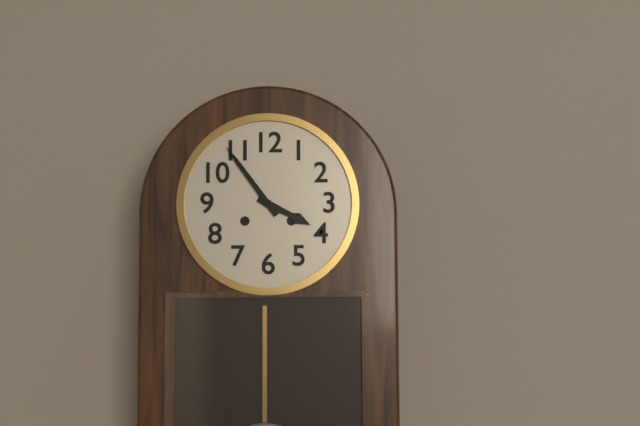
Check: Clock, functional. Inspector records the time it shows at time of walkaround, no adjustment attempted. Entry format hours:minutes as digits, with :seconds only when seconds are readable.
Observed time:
3:54
